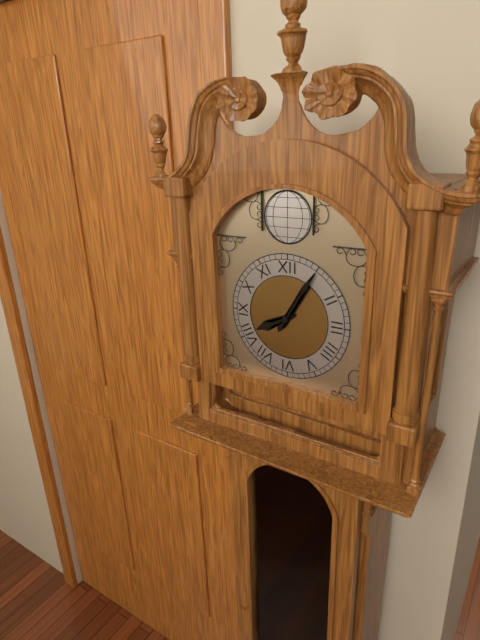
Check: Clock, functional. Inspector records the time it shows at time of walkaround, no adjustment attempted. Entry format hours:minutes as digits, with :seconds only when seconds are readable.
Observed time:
8:05
